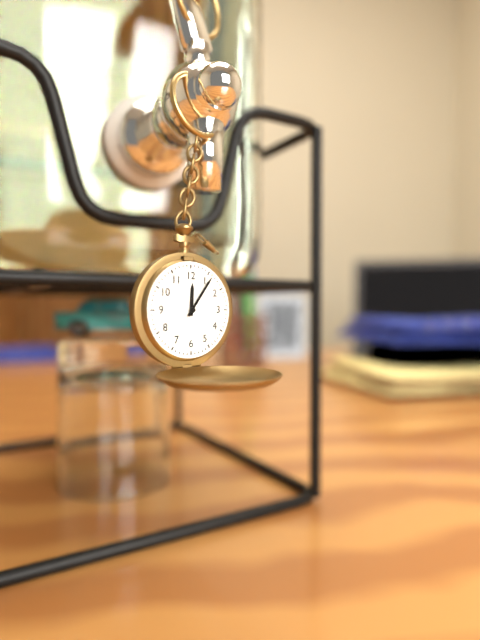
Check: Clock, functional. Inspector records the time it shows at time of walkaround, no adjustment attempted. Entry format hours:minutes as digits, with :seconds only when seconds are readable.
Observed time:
12:06
